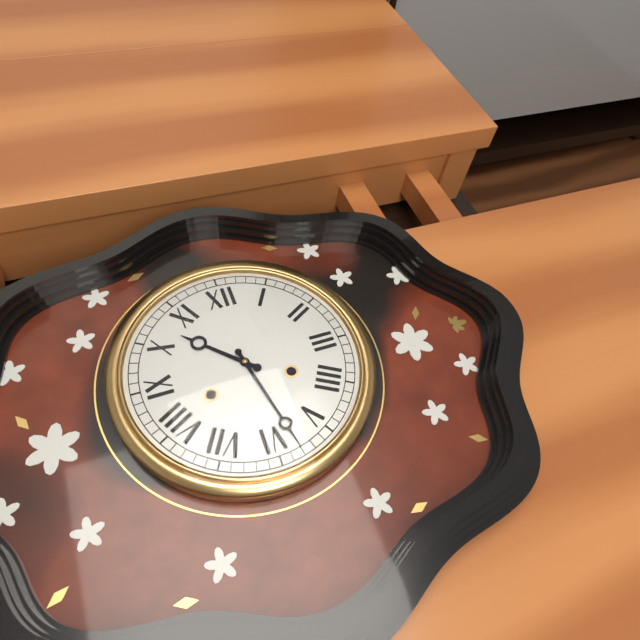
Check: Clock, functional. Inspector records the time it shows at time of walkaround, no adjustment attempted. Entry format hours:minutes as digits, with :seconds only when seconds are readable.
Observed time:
10:28
